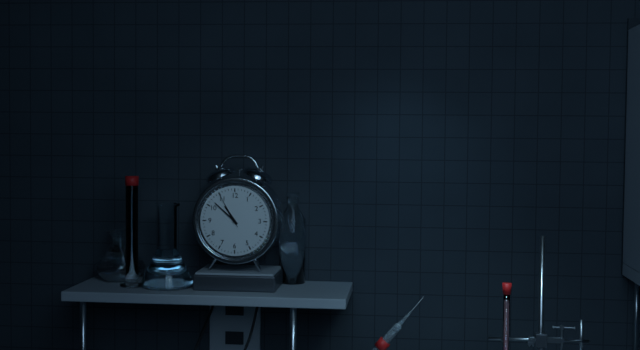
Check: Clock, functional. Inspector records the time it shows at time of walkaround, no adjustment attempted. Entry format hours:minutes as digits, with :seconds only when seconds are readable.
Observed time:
10:52
